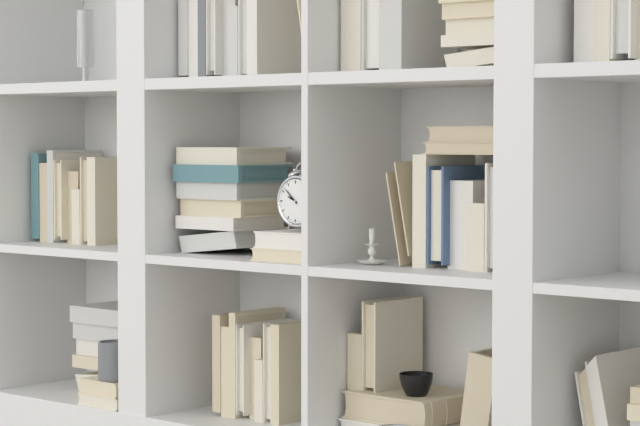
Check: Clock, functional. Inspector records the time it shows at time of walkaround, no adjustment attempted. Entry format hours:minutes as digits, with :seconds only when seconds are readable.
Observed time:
9:52
